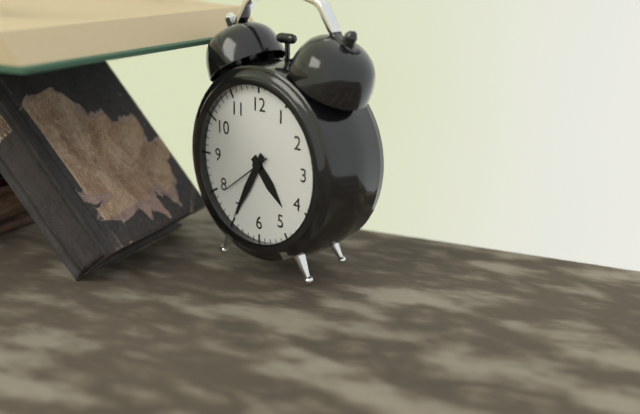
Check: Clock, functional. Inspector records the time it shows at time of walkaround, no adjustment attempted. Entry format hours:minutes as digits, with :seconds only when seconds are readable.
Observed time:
4:35:39
